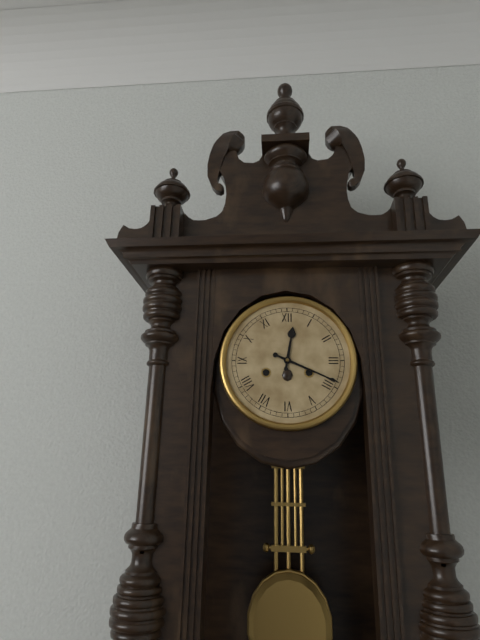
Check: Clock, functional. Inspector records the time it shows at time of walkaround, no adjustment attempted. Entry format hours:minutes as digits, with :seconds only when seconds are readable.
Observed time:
12:19
